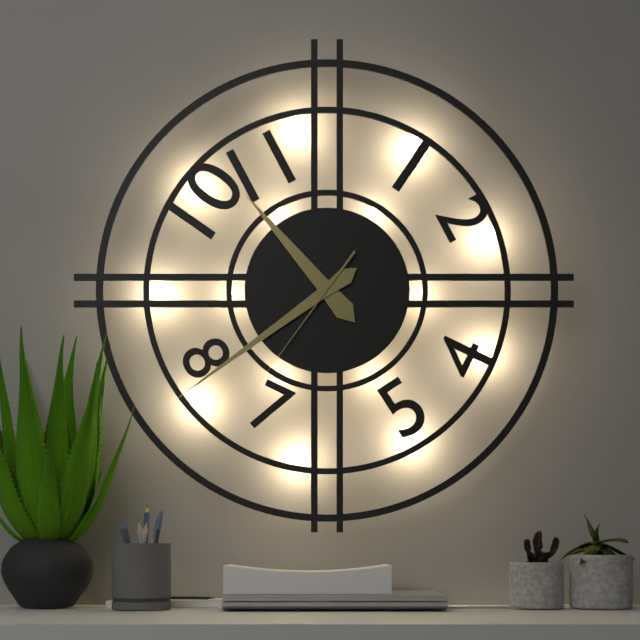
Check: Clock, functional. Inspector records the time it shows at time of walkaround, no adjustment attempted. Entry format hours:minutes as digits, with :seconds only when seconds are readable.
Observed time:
10:39:36
